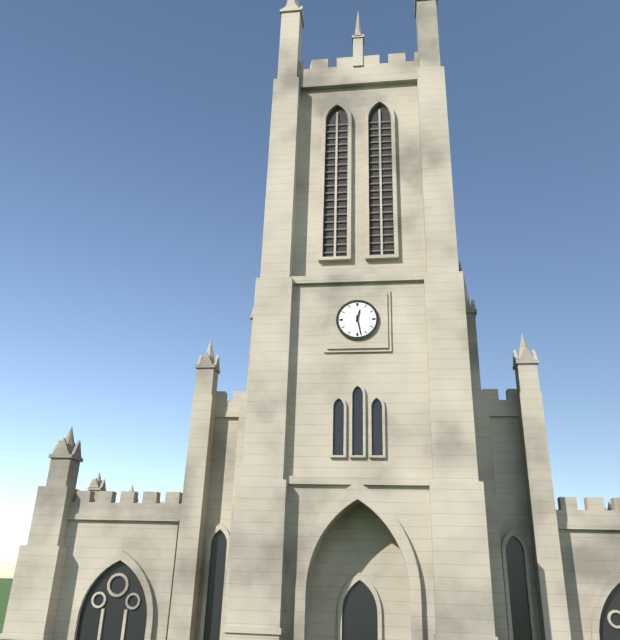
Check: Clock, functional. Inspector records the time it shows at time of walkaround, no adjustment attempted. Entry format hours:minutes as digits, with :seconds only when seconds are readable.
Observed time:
12:28
